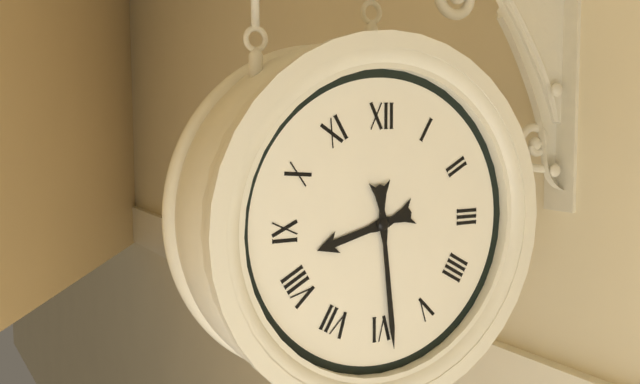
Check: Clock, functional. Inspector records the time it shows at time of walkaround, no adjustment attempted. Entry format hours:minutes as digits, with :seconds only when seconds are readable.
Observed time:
8:29
